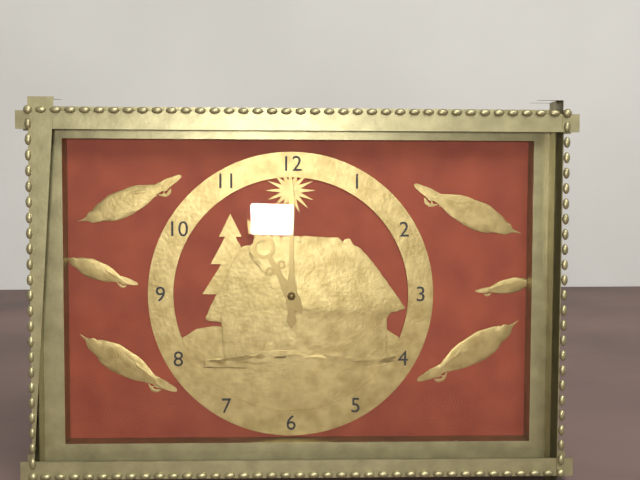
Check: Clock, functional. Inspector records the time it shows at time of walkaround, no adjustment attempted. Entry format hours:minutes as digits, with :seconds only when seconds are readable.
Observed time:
11:00
